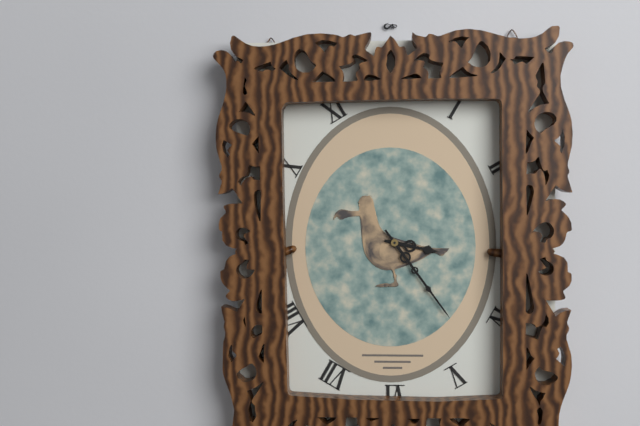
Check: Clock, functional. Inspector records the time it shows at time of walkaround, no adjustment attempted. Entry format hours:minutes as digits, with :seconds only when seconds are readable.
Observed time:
3:24
